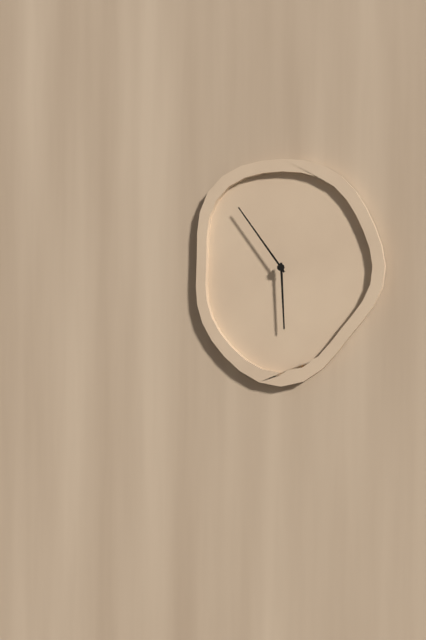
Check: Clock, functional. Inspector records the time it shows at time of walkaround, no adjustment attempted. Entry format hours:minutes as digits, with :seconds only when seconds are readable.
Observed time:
5:54
